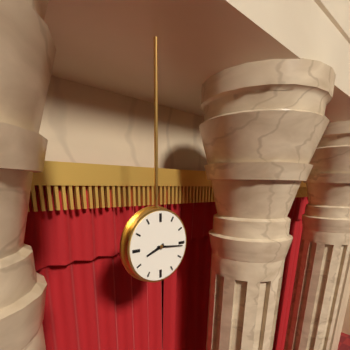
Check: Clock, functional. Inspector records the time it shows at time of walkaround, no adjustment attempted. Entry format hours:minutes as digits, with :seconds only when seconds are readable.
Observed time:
8:16
